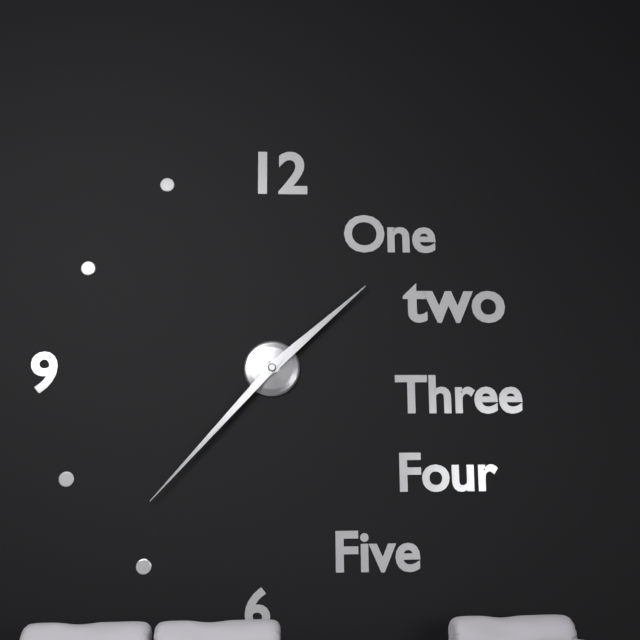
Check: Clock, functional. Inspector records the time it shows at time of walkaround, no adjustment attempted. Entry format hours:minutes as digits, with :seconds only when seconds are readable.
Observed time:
1:37
